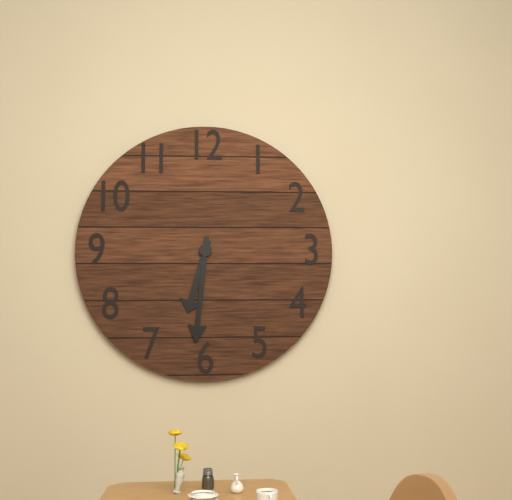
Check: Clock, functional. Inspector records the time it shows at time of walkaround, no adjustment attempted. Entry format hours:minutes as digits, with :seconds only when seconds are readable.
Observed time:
6:31
